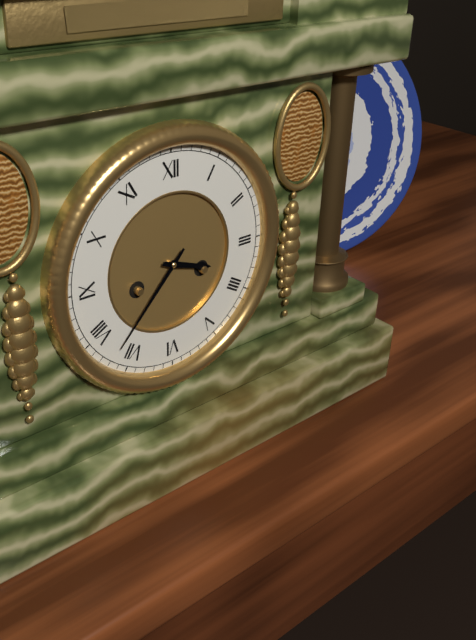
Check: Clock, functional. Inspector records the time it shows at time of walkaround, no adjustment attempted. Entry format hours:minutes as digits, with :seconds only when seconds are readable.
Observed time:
3:37
